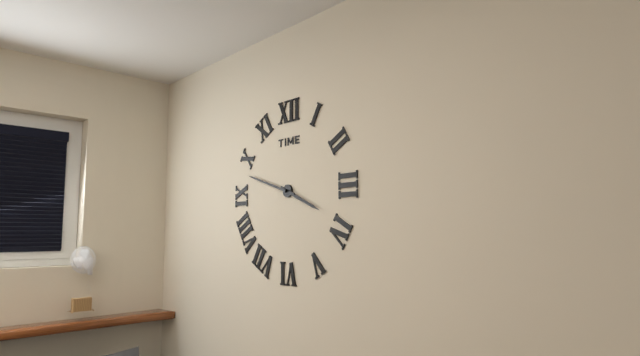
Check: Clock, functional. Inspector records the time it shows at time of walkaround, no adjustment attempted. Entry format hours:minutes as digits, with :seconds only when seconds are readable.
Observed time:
3:48
